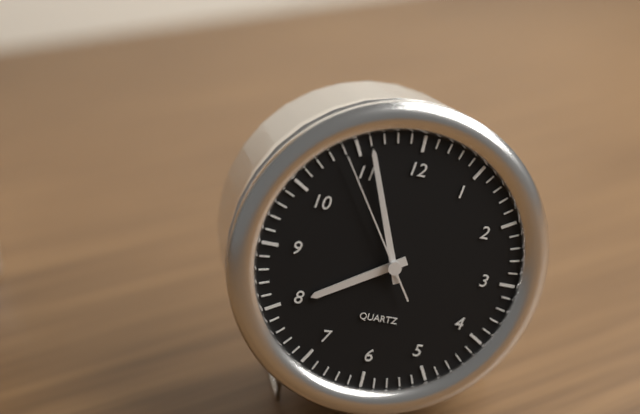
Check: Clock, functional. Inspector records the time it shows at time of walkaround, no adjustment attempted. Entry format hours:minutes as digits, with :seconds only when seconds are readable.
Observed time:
7:56:54
